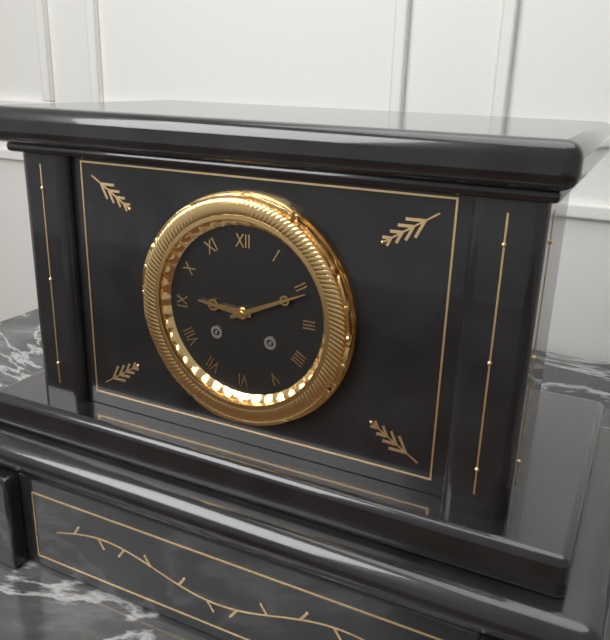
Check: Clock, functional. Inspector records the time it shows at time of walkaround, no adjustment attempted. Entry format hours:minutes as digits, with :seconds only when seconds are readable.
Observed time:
9:11
